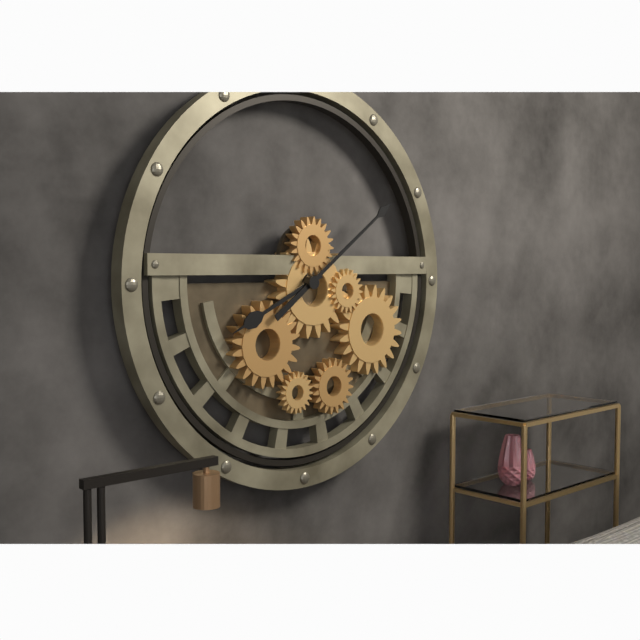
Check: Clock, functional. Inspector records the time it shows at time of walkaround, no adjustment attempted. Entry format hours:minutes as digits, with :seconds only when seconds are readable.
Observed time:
8:09
